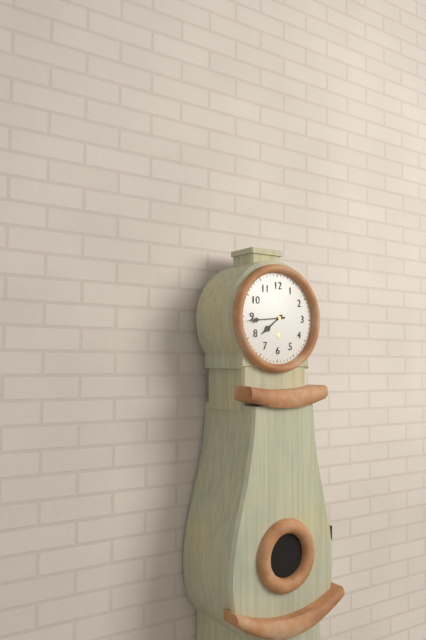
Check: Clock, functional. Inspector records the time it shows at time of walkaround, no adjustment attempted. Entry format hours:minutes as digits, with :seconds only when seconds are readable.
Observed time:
7:44
